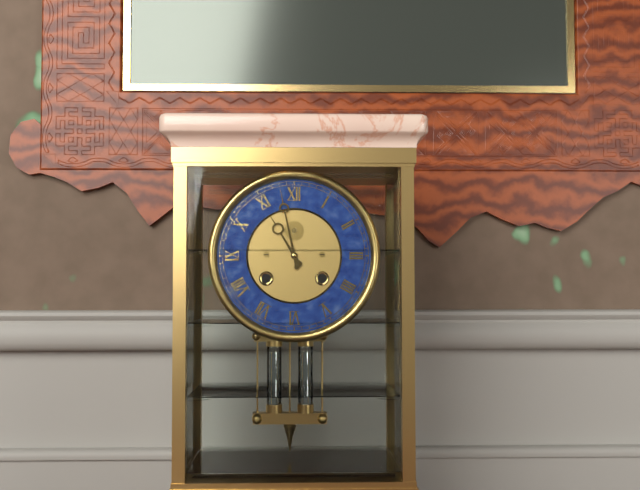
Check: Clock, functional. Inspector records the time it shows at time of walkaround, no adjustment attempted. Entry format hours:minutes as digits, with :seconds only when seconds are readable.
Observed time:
10:58
